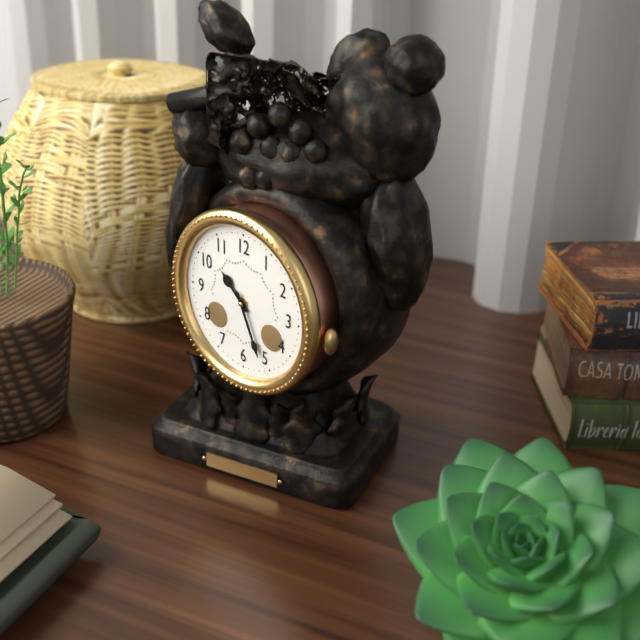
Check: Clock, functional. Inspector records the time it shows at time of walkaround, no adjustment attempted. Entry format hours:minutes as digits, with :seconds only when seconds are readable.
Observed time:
10:26
